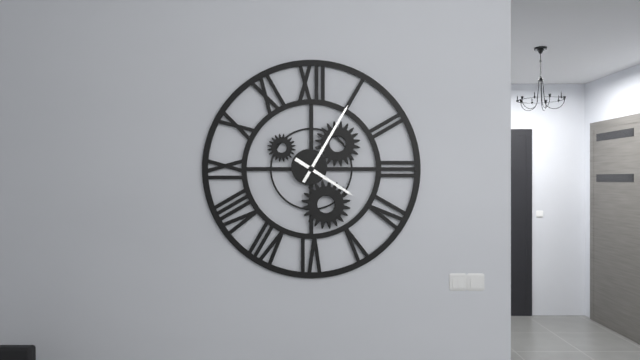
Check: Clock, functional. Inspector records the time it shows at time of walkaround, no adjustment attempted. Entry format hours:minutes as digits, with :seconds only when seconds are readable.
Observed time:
4:05
